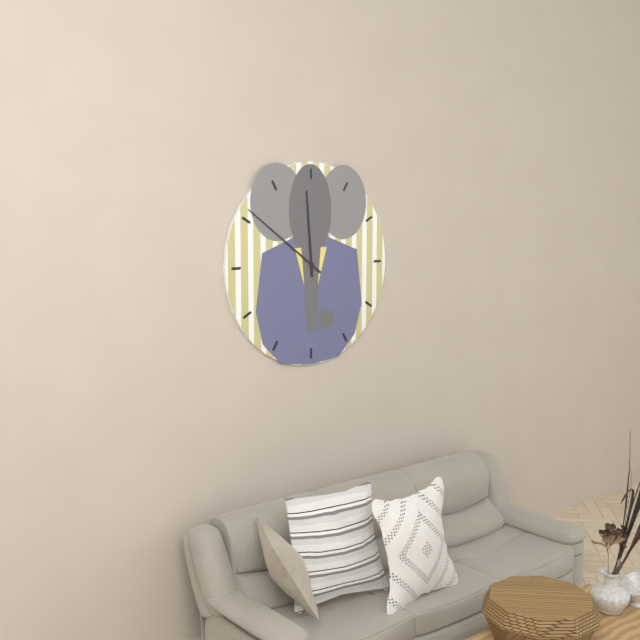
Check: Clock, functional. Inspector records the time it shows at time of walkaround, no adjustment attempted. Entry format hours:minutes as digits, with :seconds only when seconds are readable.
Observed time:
11:51
